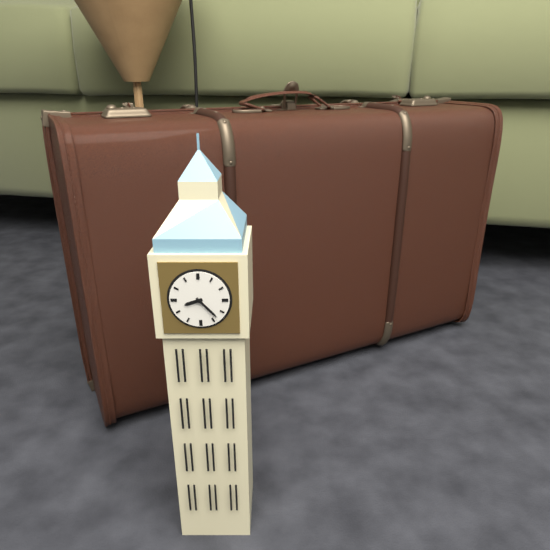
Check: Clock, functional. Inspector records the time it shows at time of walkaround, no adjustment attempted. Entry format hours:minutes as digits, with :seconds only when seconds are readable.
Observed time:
8:23
